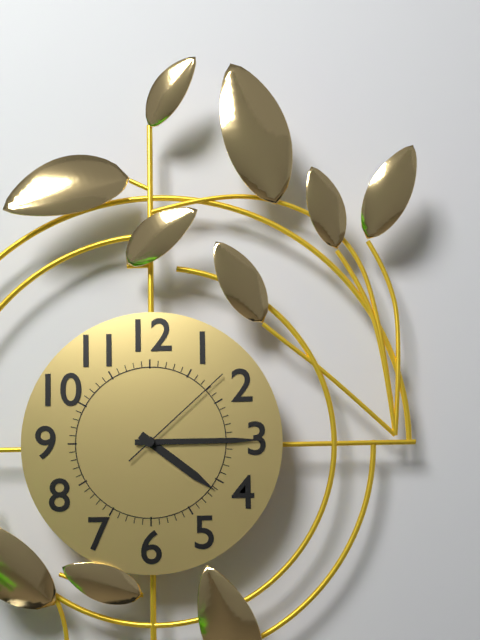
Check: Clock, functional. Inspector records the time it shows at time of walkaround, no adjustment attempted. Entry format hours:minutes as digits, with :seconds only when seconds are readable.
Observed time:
4:15:08
